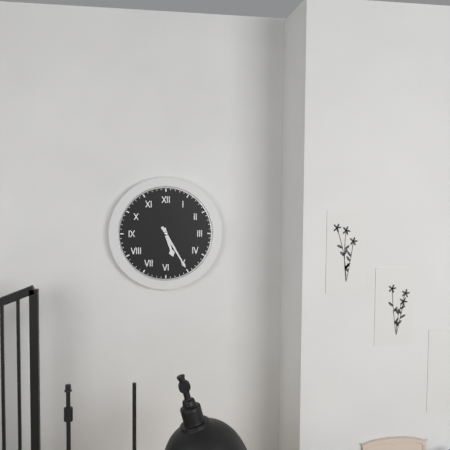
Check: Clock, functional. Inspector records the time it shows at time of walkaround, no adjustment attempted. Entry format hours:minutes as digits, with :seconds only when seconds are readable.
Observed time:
5:25
